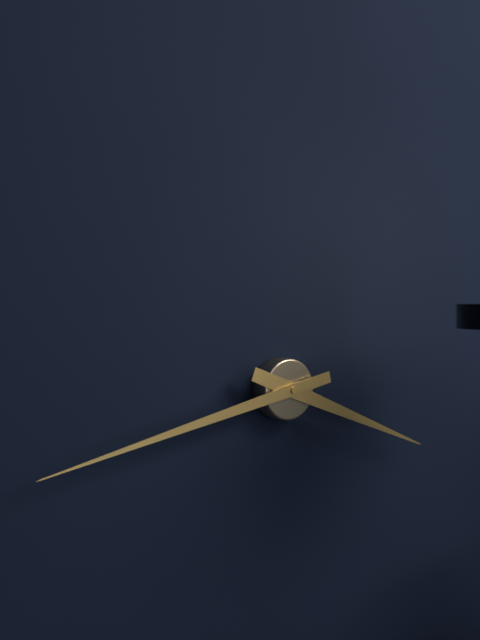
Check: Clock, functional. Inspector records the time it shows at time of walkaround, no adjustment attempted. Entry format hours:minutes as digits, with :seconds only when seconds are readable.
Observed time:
3:43
